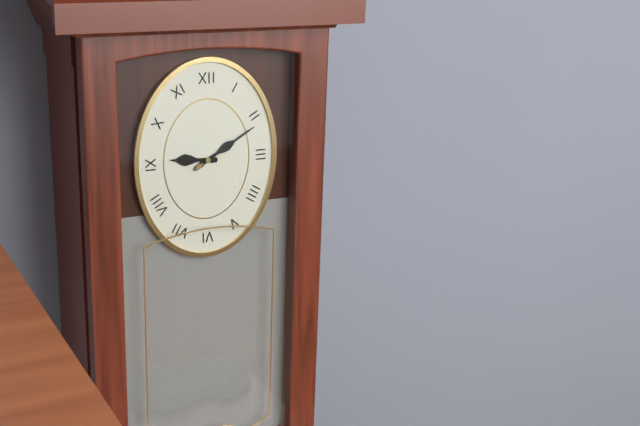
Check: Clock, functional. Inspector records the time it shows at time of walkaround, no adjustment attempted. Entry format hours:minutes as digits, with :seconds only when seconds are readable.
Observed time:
9:10
